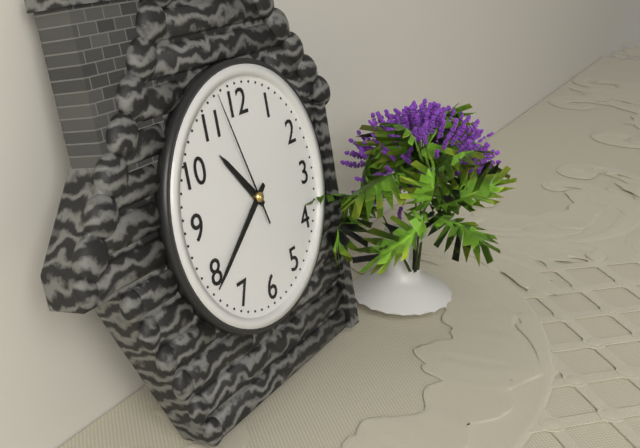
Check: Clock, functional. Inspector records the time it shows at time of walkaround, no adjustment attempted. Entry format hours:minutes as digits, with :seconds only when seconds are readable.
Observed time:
10:39:57
